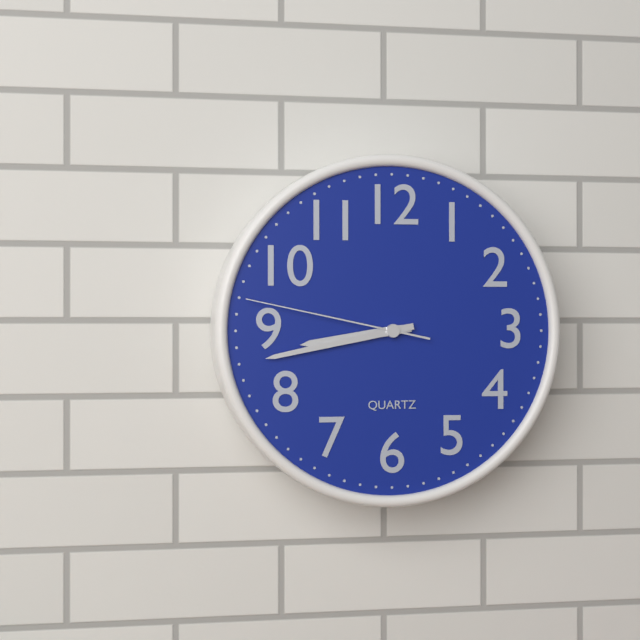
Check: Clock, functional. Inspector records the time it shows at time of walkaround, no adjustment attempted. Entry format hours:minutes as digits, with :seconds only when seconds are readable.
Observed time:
8:43:47
